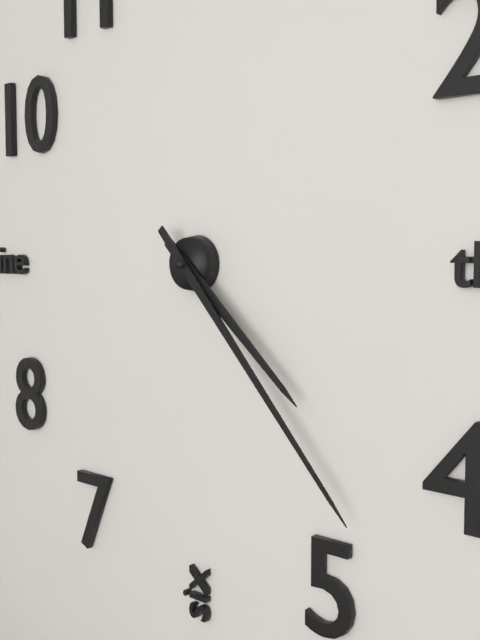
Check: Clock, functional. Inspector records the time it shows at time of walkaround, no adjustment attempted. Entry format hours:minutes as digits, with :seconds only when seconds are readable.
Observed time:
4:23
